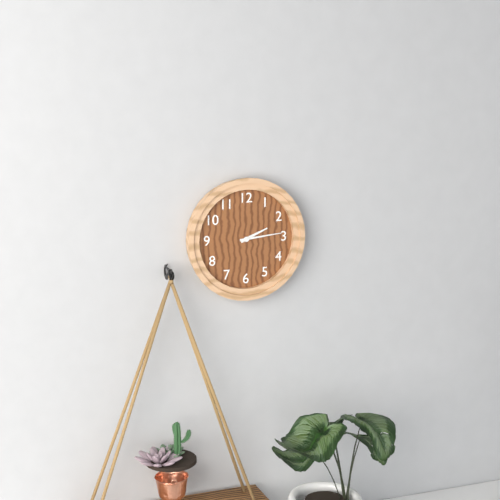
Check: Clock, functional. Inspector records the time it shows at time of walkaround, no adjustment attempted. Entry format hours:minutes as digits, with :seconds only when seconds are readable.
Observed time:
2:14
